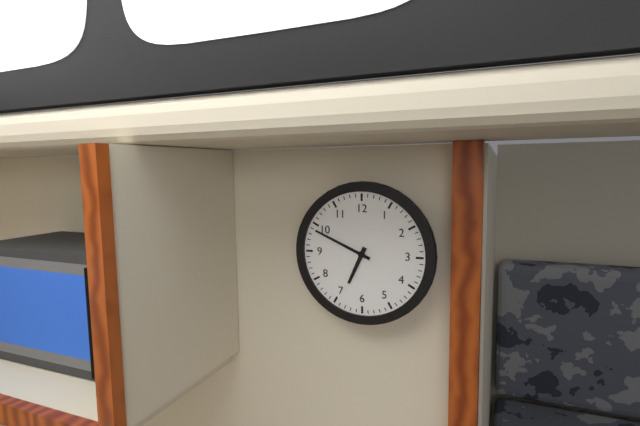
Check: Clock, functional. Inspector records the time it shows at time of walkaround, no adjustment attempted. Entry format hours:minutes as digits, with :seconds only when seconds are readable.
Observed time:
6:49
